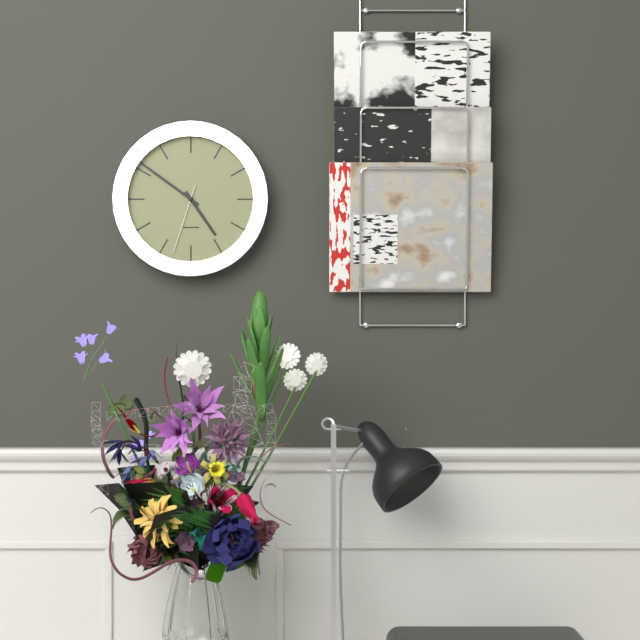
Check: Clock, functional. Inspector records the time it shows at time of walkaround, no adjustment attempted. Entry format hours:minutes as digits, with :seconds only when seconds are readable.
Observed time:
4:51:33
